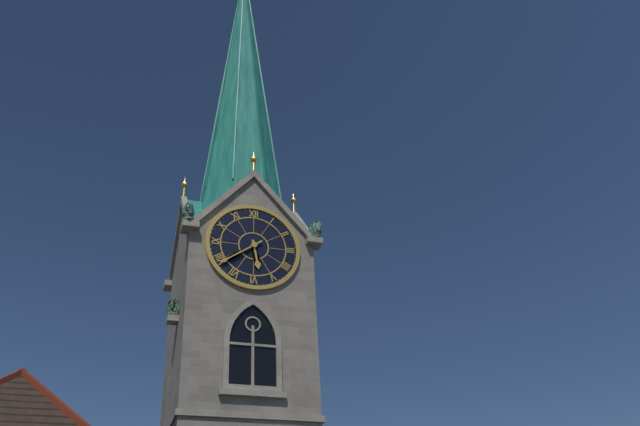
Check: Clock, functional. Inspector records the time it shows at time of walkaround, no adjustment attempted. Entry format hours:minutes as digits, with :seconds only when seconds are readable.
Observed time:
5:39
